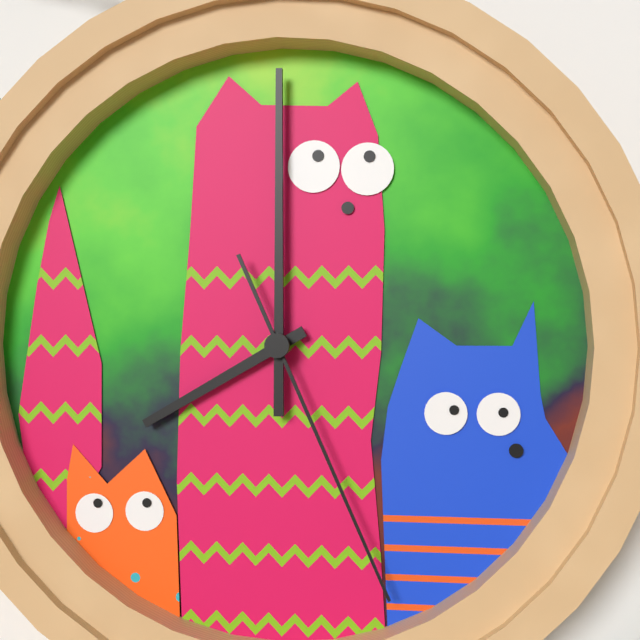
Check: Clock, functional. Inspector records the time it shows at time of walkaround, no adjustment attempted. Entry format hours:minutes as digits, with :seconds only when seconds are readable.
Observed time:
8:00:26
